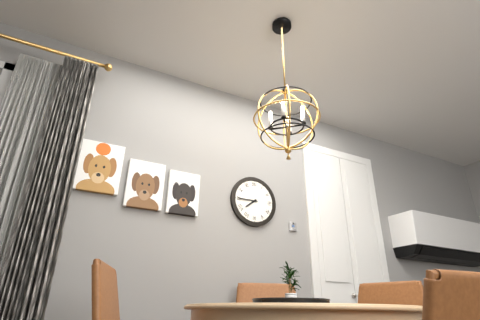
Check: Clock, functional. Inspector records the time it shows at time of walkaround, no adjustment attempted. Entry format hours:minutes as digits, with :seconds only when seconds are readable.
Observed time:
7:45
